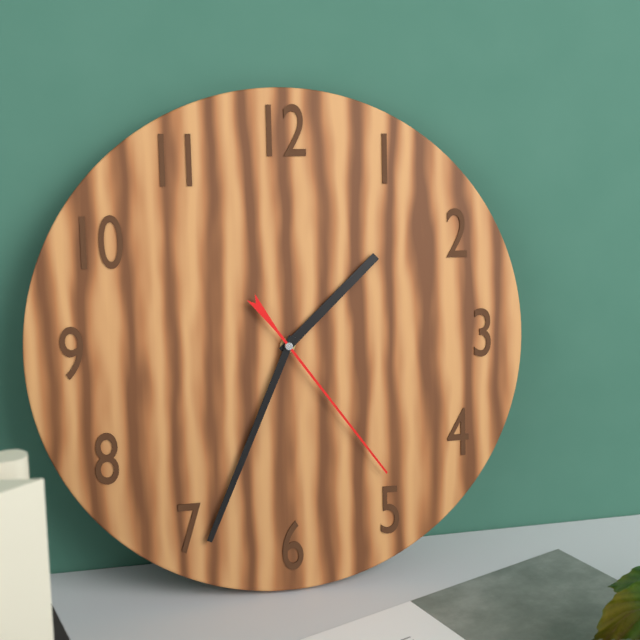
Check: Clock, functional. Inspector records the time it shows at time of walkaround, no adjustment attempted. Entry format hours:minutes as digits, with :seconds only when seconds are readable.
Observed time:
1:34:24
